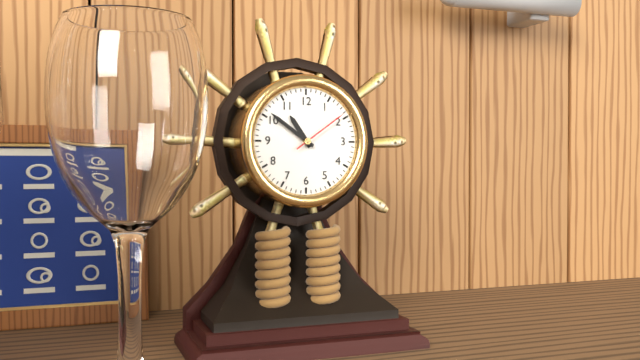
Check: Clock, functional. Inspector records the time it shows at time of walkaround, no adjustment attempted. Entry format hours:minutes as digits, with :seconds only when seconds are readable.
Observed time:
10:51:09
